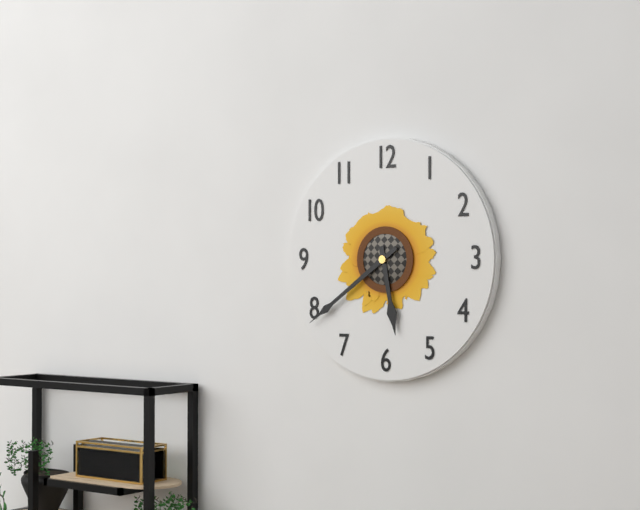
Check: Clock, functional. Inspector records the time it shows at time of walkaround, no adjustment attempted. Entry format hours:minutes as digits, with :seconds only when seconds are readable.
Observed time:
5:39
